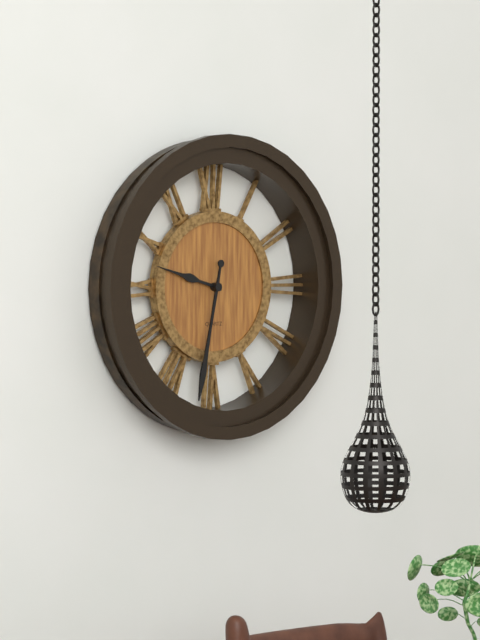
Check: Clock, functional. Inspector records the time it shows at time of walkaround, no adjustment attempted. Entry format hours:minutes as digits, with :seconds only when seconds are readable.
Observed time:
9:32
